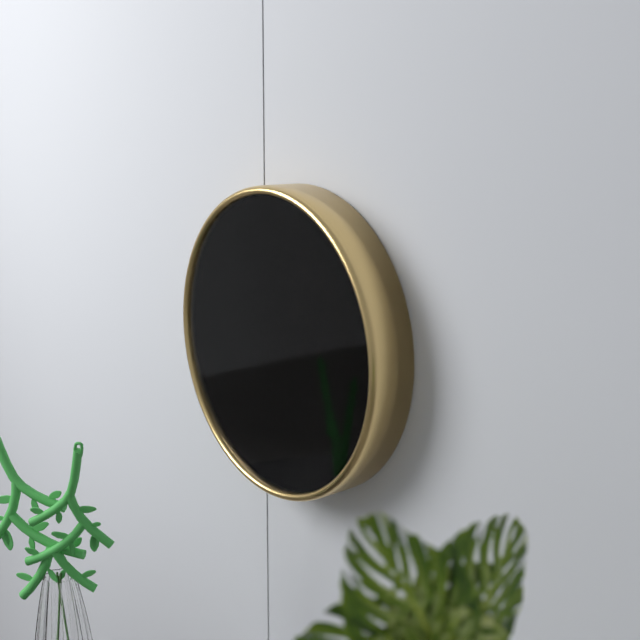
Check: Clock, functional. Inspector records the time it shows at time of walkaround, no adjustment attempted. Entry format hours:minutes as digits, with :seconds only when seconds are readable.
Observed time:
2:59
